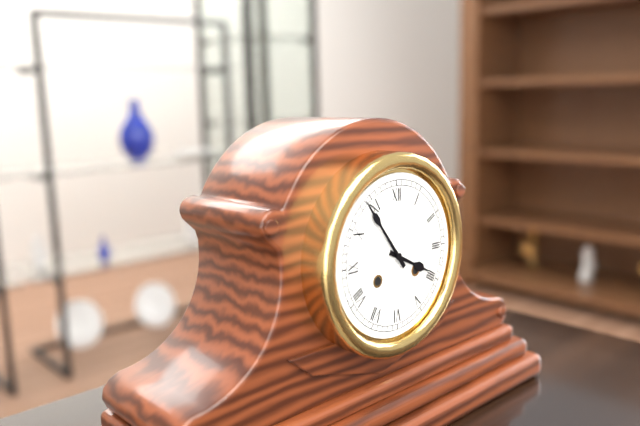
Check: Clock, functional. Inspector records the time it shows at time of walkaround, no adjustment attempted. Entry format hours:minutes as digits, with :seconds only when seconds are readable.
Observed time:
3:54
